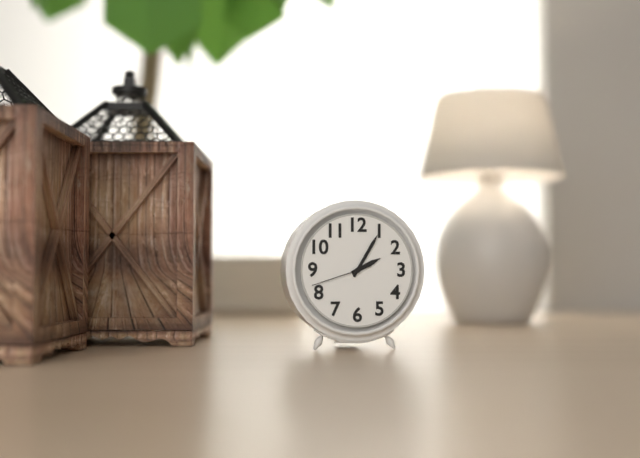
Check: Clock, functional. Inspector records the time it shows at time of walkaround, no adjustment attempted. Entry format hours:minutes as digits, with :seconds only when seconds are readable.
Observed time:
2:05:42
